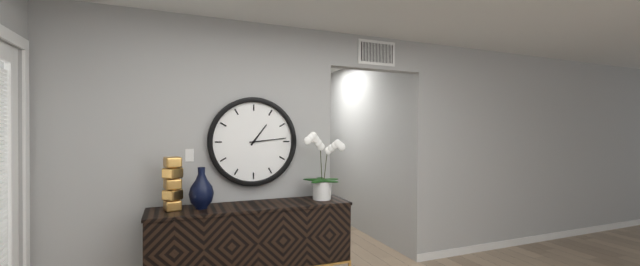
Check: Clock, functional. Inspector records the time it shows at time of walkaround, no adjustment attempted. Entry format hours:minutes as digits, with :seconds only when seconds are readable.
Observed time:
1:14
